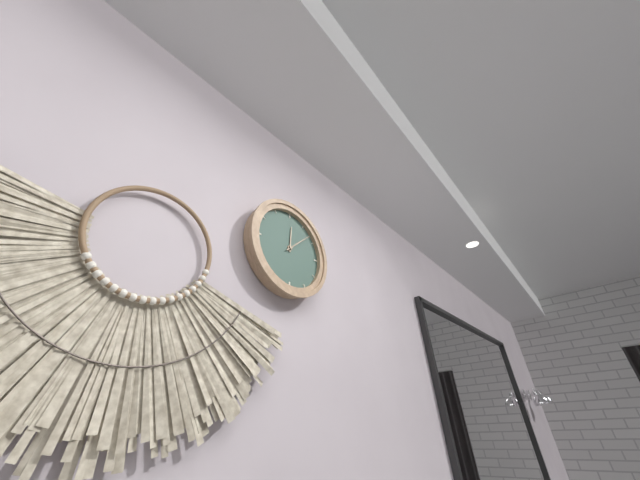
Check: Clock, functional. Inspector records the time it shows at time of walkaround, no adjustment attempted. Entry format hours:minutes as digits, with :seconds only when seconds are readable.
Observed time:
12:08
